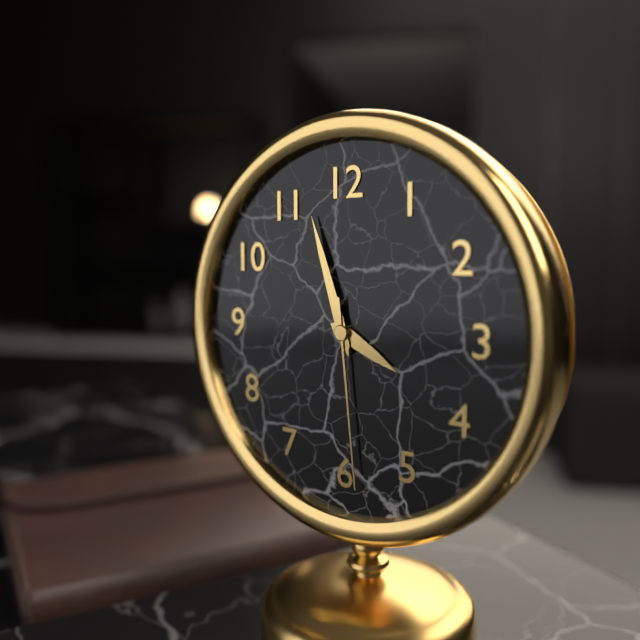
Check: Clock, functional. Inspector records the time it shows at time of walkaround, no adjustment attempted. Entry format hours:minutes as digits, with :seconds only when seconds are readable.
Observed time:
3:57:29
